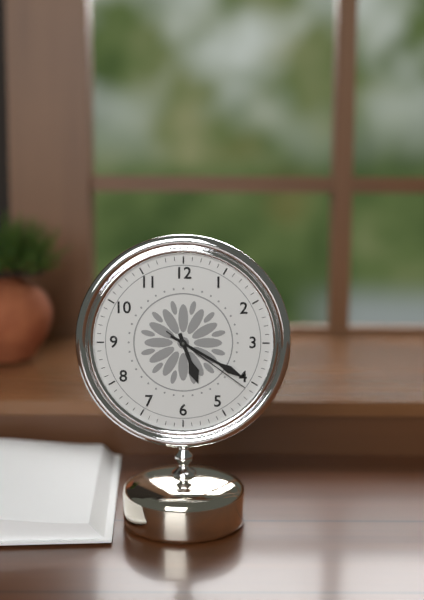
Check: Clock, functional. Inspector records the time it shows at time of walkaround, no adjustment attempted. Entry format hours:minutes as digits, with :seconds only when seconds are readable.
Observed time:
5:20:21
